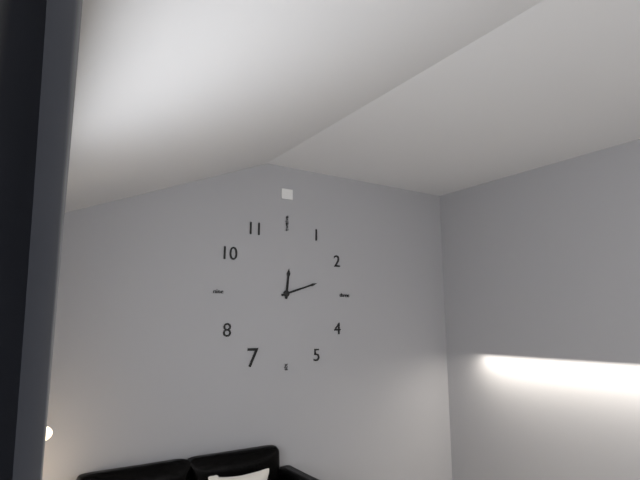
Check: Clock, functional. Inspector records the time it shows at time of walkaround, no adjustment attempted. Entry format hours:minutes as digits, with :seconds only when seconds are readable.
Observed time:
12:12
